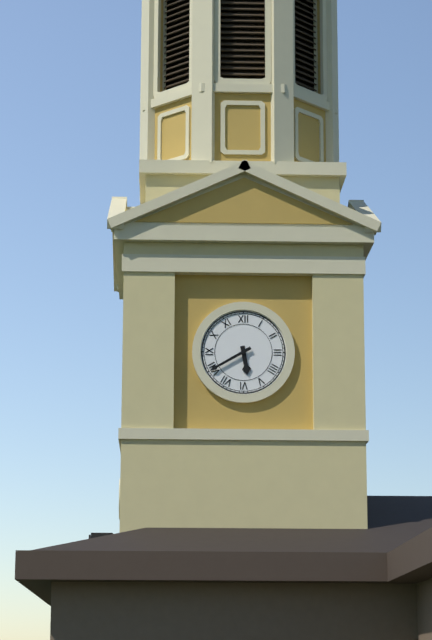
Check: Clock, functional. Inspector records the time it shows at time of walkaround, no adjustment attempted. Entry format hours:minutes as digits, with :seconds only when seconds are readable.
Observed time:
5:40
